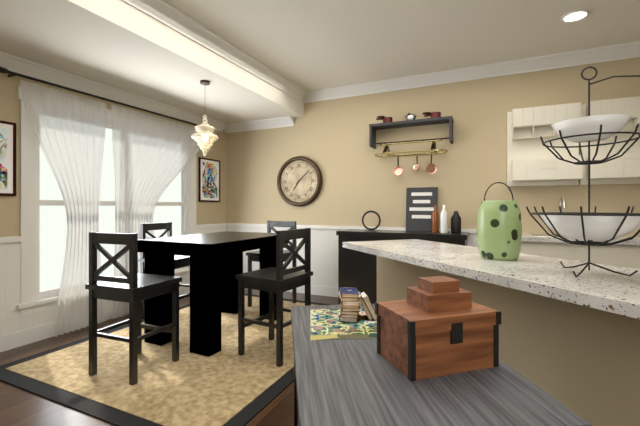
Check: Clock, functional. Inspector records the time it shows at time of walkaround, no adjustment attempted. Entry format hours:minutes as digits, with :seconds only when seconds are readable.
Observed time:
7:08
